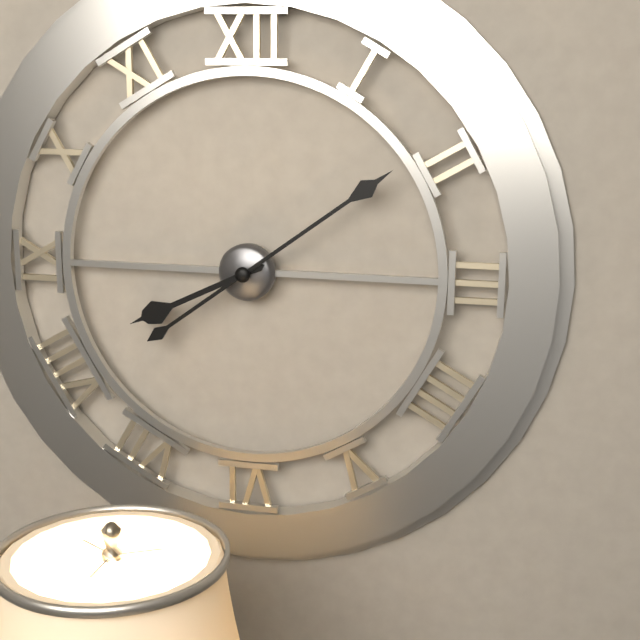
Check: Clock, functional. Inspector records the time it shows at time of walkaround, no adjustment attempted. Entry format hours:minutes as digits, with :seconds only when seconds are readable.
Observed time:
8:09
